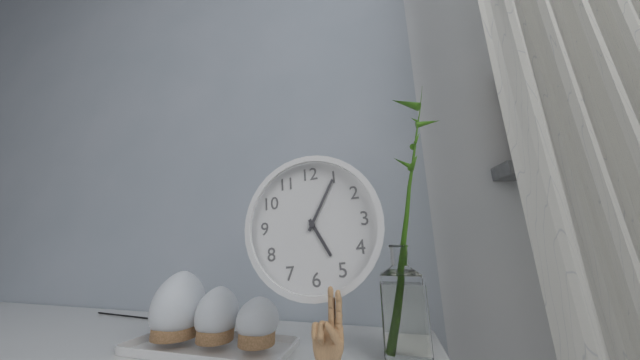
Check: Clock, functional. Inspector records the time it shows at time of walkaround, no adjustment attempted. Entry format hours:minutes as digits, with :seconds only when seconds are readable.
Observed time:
5:05
